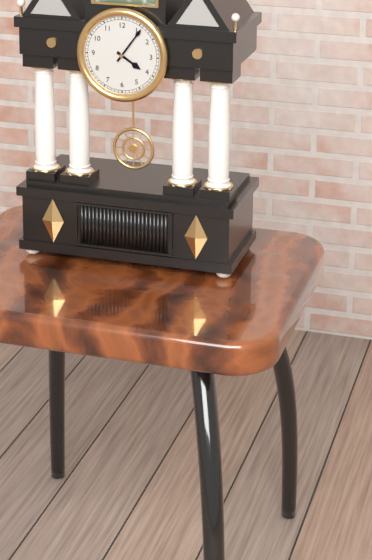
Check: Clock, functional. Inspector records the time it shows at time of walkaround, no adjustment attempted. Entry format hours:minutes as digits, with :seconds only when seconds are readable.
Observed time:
4:06
